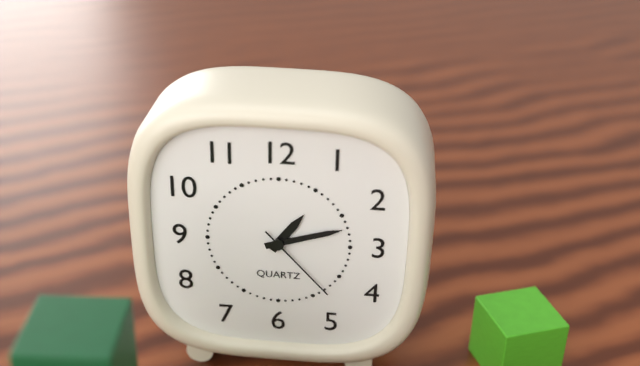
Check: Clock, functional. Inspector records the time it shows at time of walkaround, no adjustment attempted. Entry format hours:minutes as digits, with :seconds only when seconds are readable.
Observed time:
1:12:23
